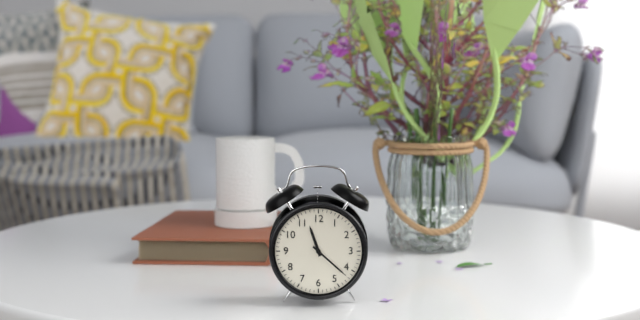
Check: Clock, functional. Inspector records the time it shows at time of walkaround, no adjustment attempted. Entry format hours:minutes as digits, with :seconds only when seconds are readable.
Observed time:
11:22
